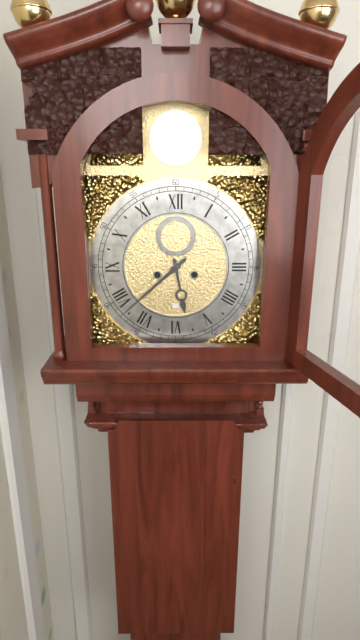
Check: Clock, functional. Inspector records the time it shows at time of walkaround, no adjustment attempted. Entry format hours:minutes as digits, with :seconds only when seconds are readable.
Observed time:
5:38
